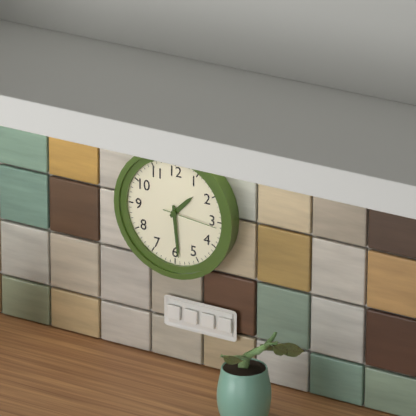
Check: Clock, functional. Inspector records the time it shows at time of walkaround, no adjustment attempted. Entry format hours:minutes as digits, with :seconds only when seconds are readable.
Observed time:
1:29:16
